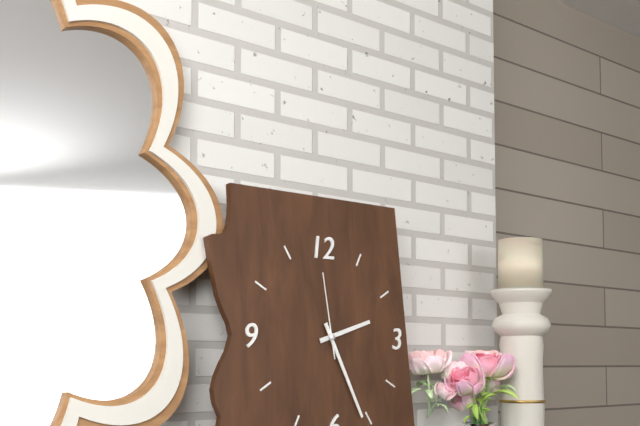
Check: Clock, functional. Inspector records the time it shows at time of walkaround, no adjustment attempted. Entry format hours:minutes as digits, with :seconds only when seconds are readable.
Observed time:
2:26:59
